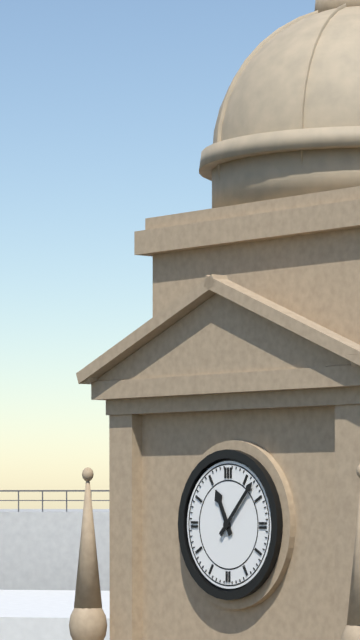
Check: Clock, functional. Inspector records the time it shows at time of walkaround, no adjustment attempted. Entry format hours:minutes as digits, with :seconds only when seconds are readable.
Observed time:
11:07
